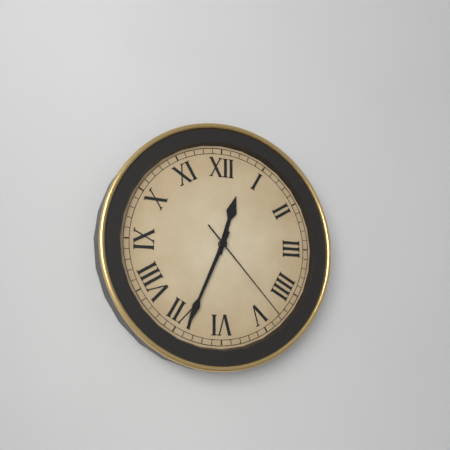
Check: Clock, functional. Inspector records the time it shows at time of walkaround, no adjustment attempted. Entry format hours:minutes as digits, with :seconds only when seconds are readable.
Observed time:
12:34:23
